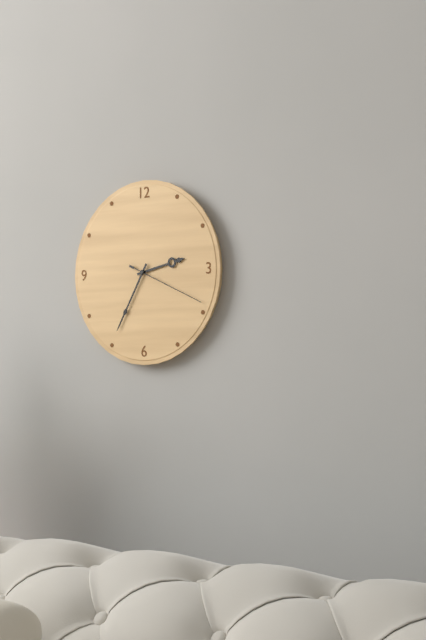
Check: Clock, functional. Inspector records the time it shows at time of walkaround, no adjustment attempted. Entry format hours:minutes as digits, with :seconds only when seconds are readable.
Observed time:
2:35:19
